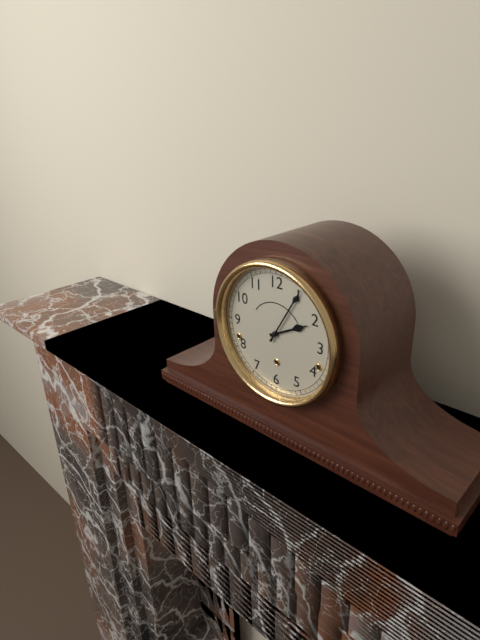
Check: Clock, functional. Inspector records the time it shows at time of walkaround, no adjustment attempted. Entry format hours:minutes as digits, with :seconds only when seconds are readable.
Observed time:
2:05
